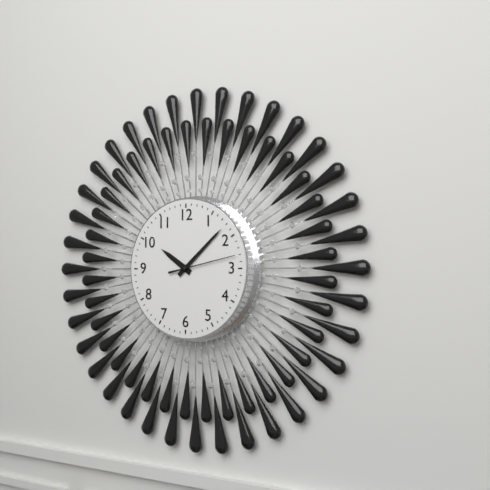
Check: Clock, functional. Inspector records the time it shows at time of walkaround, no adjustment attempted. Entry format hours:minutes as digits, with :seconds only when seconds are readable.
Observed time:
10:08:13
